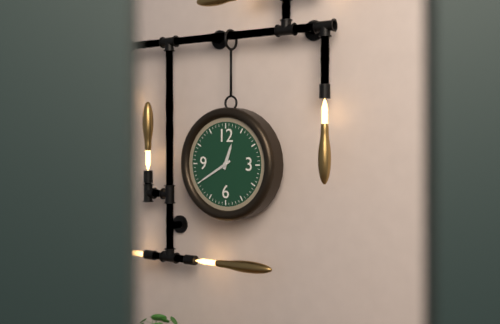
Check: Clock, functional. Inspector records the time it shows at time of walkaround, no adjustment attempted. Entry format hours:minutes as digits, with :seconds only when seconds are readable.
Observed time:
12:40
